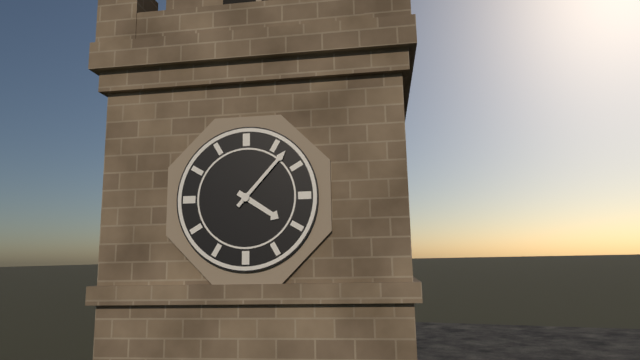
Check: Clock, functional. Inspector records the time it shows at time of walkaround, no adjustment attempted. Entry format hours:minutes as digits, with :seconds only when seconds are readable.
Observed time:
4:07
